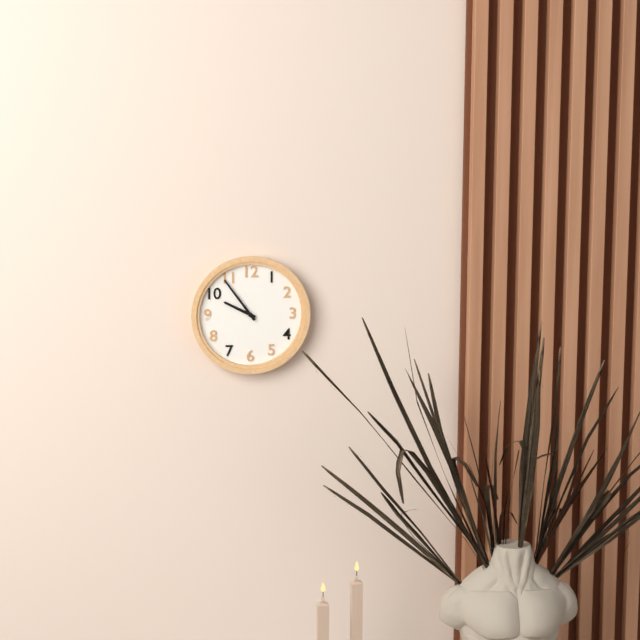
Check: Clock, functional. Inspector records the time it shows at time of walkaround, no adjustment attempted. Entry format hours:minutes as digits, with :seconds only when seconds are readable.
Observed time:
9:54
